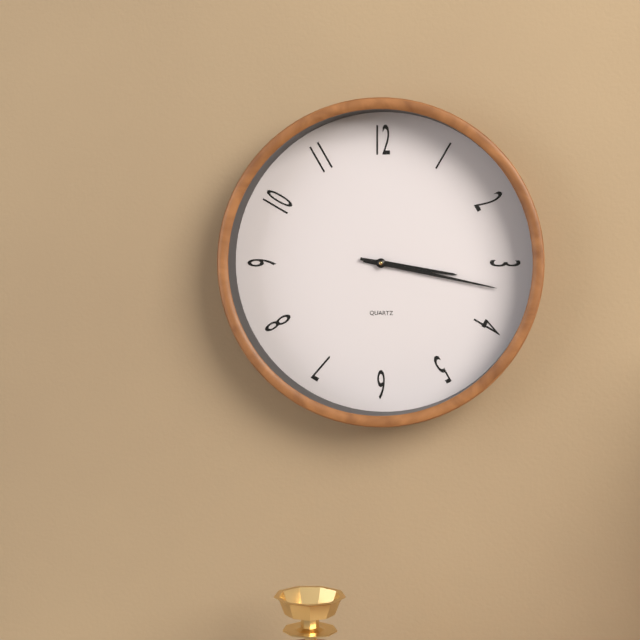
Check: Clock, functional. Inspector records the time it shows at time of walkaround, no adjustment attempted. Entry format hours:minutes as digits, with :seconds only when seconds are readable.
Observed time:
3:17
